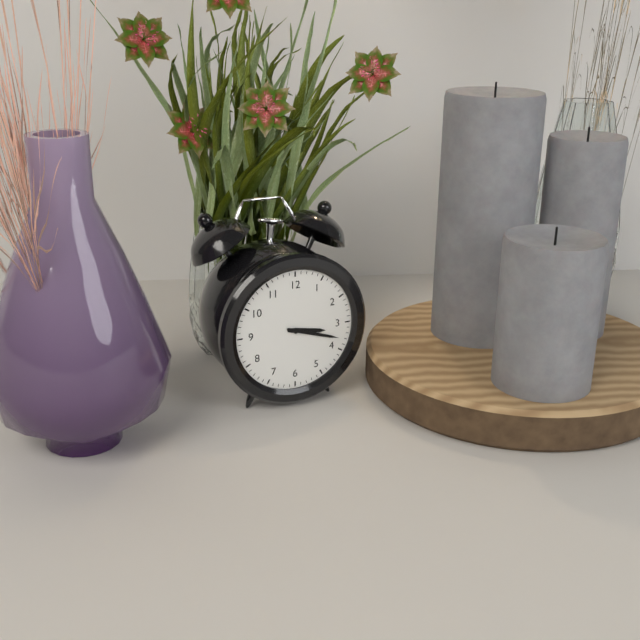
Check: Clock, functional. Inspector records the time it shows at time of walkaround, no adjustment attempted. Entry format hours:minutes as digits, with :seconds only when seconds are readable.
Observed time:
3:18
